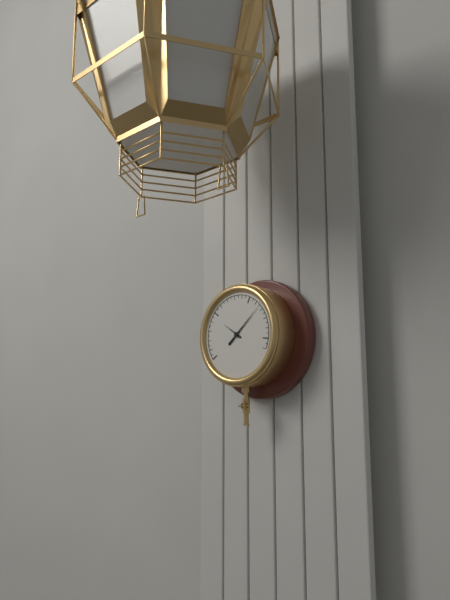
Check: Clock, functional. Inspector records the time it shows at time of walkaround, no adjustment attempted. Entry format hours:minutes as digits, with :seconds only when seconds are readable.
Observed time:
10:08
